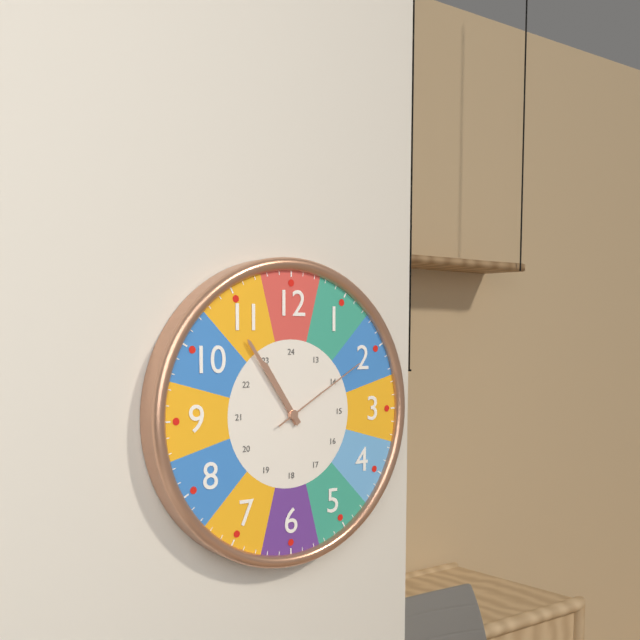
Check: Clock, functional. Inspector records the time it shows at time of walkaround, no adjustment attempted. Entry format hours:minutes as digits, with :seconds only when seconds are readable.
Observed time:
10:54:10
